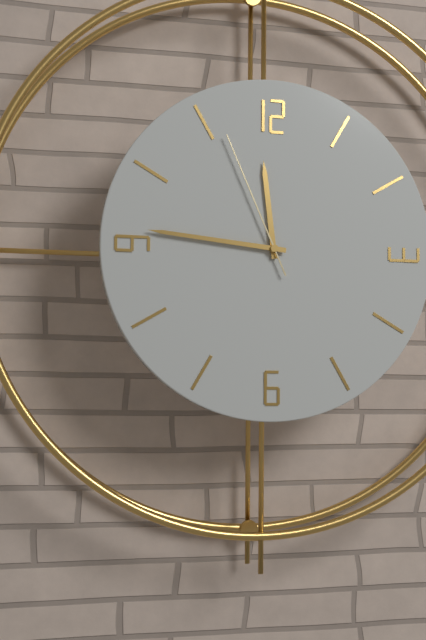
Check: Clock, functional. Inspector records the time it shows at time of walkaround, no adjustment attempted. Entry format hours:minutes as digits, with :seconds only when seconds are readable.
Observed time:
11:46:56
